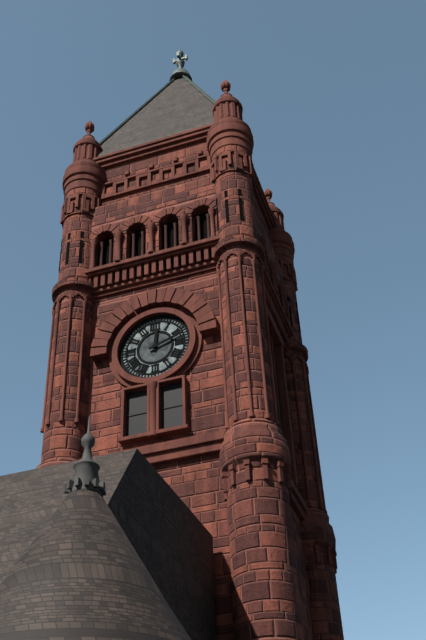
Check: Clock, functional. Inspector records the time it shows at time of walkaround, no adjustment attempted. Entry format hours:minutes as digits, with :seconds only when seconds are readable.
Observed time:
12:12
